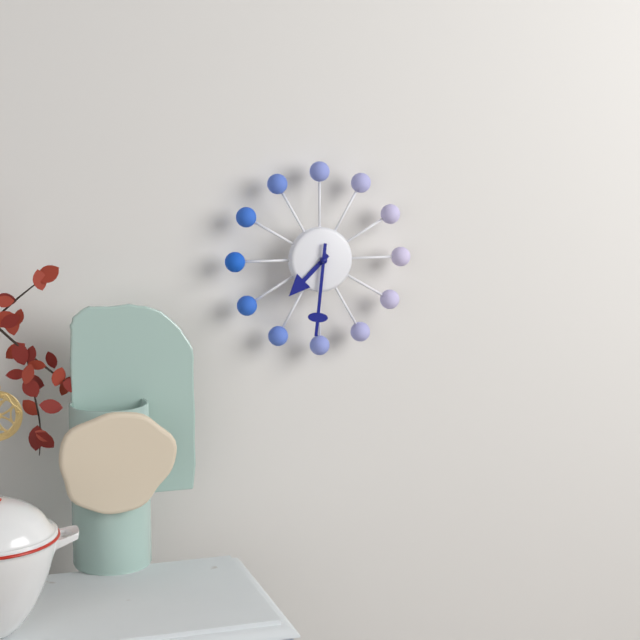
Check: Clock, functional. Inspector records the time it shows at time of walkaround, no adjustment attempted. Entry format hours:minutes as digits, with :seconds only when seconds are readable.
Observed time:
7:31
